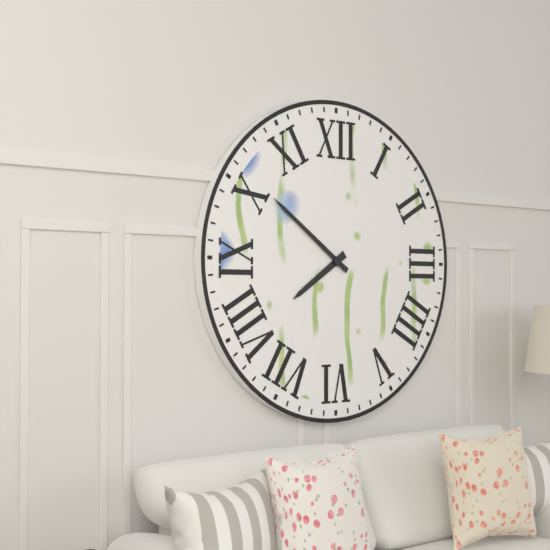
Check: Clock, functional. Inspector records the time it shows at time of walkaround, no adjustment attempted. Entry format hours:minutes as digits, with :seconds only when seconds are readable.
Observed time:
7:51
